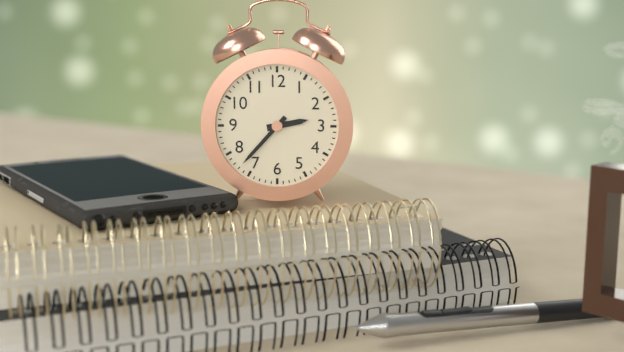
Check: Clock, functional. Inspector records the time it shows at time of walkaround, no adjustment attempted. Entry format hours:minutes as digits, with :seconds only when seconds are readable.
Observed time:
2:37
